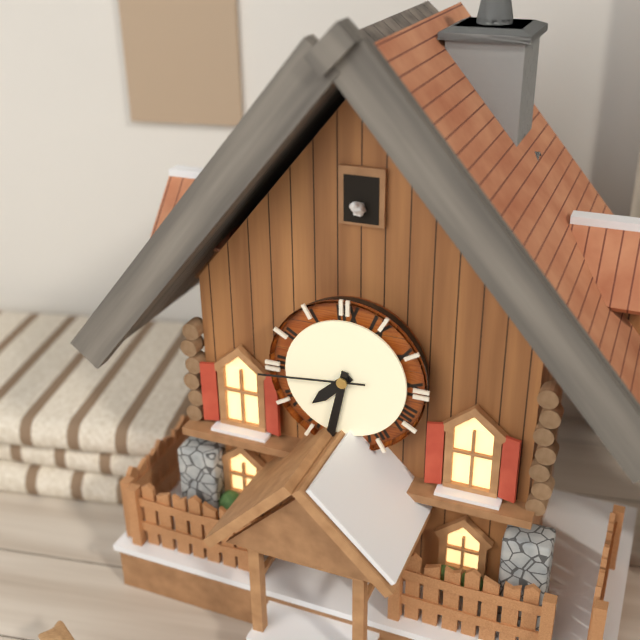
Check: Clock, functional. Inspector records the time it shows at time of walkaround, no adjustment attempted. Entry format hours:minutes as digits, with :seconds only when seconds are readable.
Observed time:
7:32:44
